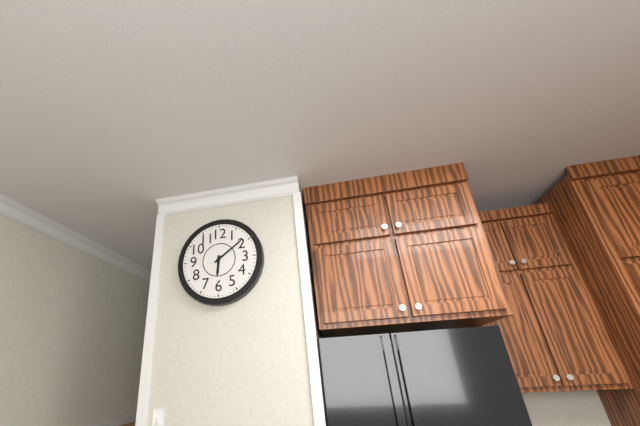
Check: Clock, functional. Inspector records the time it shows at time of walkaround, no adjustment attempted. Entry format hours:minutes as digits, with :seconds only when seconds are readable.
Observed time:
6:09
